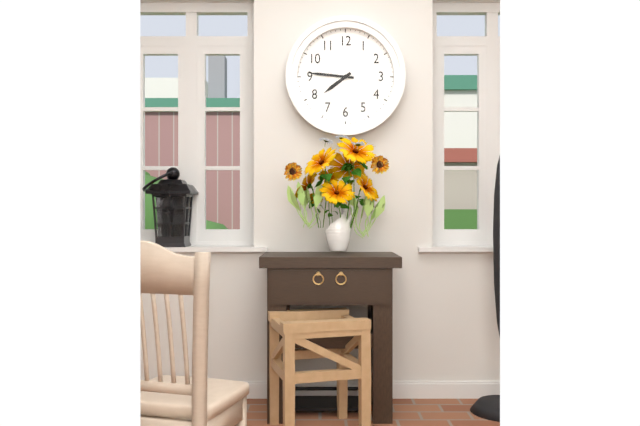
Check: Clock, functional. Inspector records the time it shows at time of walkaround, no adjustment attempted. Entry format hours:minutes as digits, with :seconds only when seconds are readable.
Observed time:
7:46
